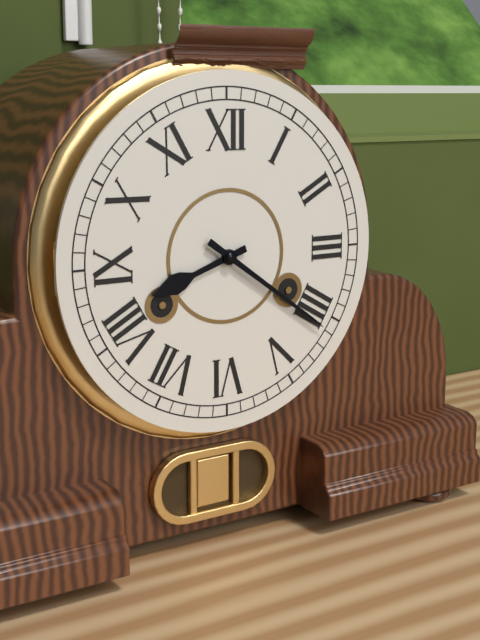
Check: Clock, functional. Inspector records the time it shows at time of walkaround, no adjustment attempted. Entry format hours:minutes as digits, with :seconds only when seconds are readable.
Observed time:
8:21
